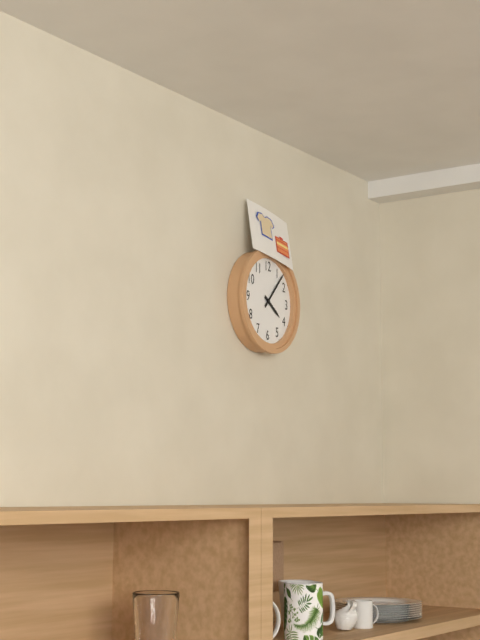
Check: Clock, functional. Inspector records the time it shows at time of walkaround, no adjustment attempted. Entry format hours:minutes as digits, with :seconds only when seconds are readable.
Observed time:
4:07
